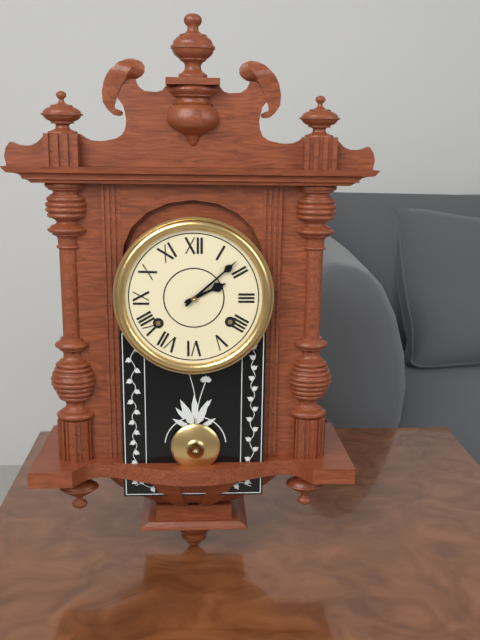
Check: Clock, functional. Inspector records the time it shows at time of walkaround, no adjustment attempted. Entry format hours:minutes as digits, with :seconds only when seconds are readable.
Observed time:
2:08
